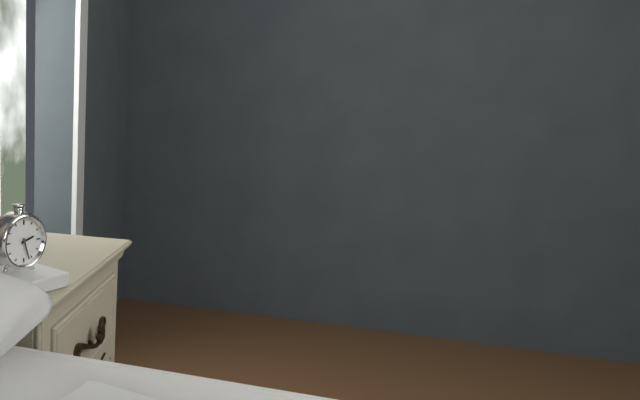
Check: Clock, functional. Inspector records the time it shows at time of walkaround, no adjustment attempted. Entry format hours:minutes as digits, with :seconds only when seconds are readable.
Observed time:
2:27
